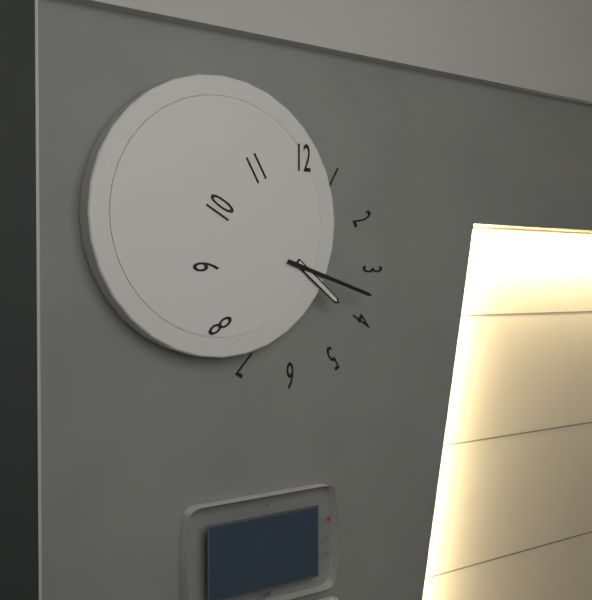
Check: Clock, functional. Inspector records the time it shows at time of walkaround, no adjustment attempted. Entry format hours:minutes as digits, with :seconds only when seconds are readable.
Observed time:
4:18
